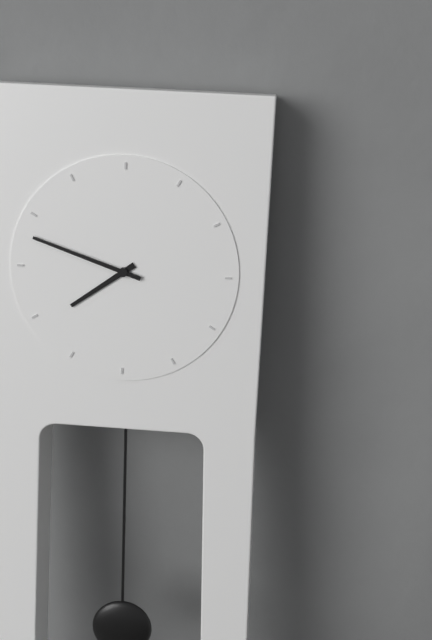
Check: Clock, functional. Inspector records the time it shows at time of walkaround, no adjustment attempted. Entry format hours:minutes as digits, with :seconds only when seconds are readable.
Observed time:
7:48
